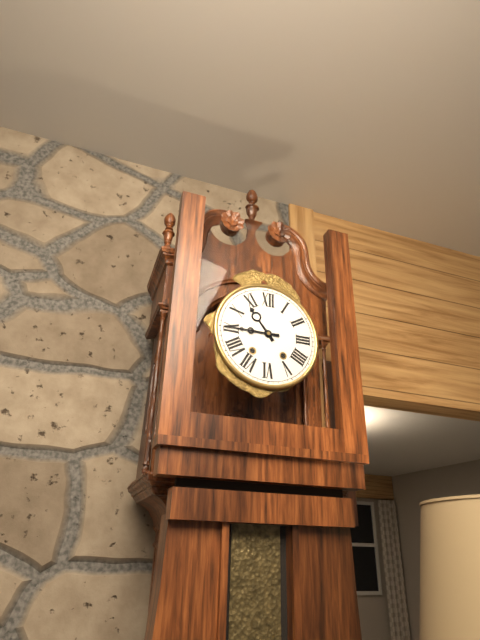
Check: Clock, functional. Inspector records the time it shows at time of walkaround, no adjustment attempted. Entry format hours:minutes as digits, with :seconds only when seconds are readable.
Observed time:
10:45
